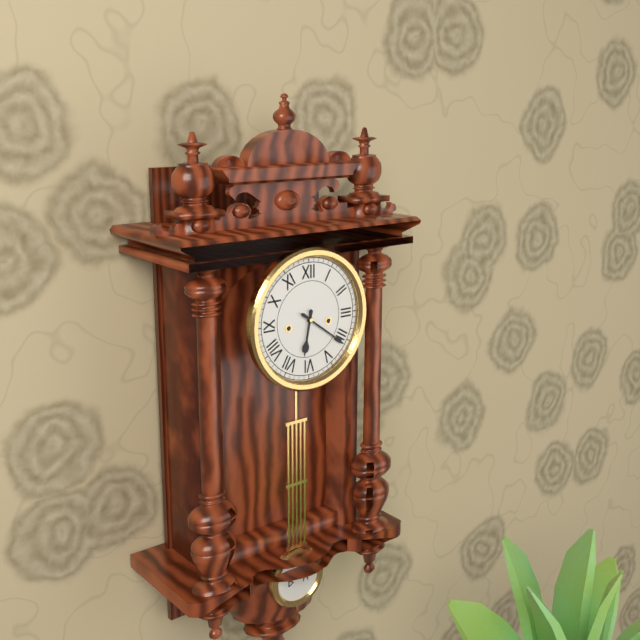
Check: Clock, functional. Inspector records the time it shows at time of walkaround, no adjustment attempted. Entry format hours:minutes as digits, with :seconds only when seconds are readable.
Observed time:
6:21
